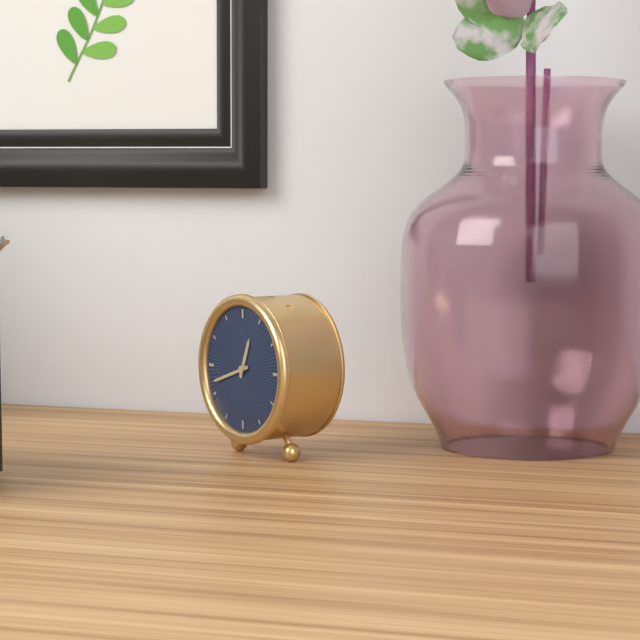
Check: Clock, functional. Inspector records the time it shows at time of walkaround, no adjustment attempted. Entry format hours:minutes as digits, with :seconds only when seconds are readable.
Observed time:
12:42
